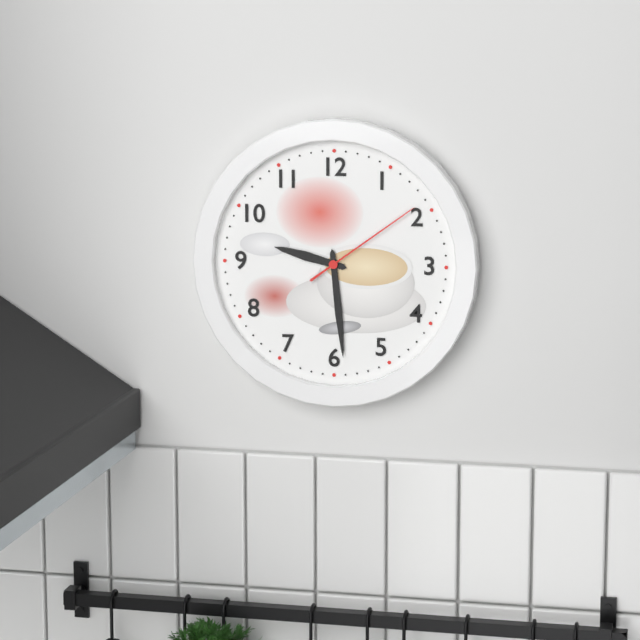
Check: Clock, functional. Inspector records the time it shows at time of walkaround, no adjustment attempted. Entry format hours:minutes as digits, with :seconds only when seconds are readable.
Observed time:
9:29:09
